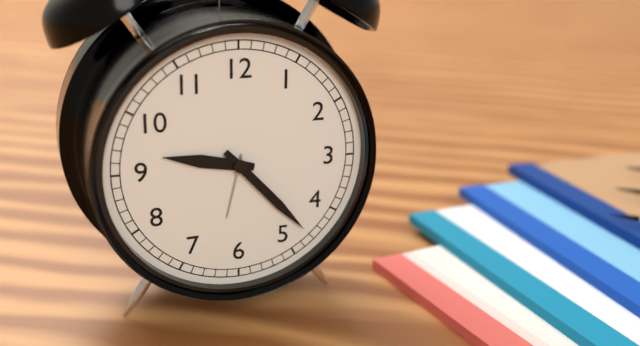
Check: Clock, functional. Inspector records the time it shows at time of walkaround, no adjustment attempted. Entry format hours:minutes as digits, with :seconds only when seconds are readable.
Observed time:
9:23
